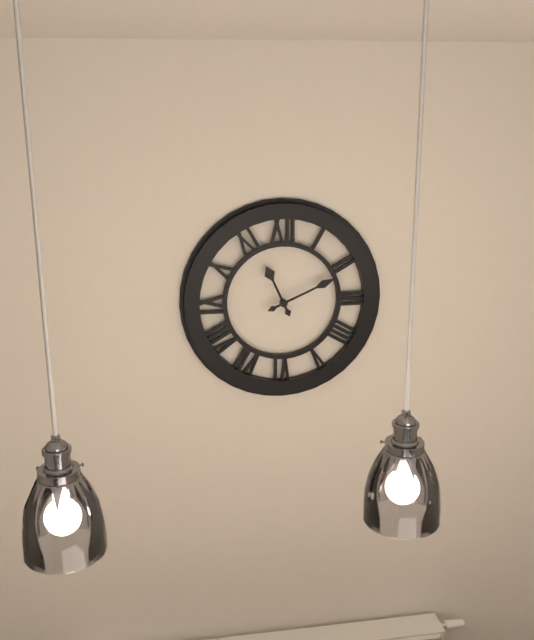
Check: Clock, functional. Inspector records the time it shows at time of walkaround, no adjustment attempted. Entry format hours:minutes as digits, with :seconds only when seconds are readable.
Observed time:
11:11
